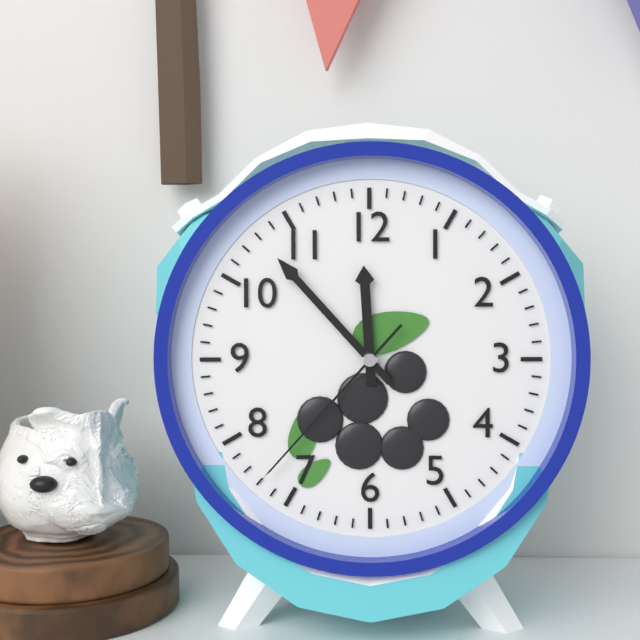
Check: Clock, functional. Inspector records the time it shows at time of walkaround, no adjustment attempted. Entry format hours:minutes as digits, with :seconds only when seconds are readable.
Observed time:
11:53:37
